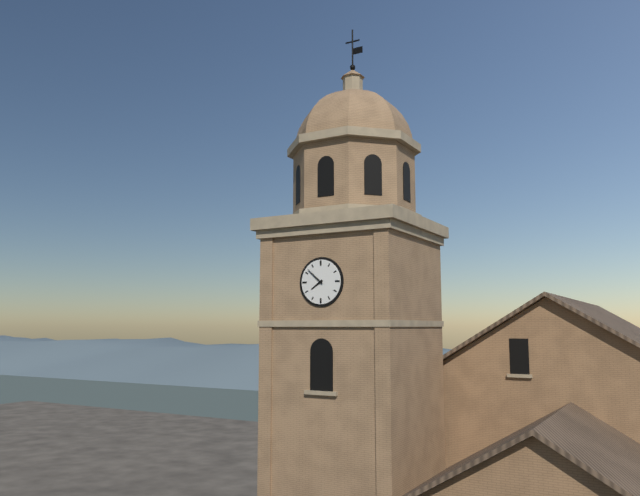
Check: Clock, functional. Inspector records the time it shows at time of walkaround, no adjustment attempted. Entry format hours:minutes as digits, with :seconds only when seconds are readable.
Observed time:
7:52
